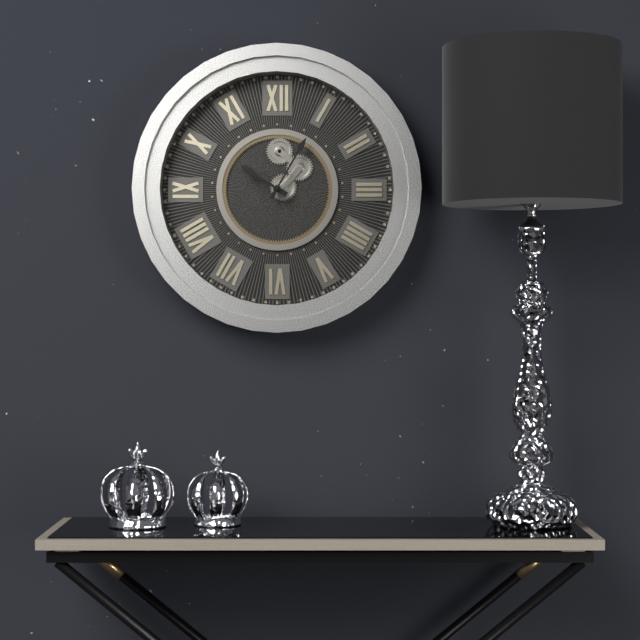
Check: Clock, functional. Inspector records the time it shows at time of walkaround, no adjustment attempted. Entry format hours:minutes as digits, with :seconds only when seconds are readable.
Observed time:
10:05
